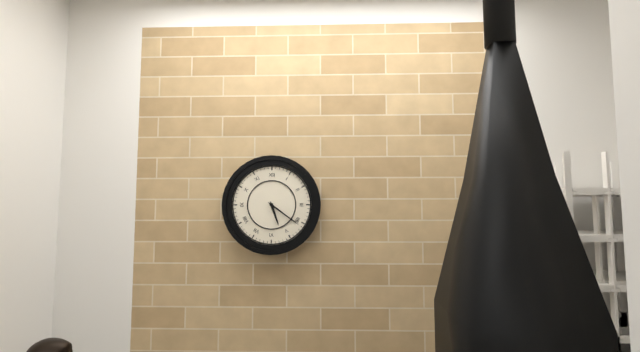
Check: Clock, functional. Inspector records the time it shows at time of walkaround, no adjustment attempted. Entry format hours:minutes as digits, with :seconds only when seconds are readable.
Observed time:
5:21
